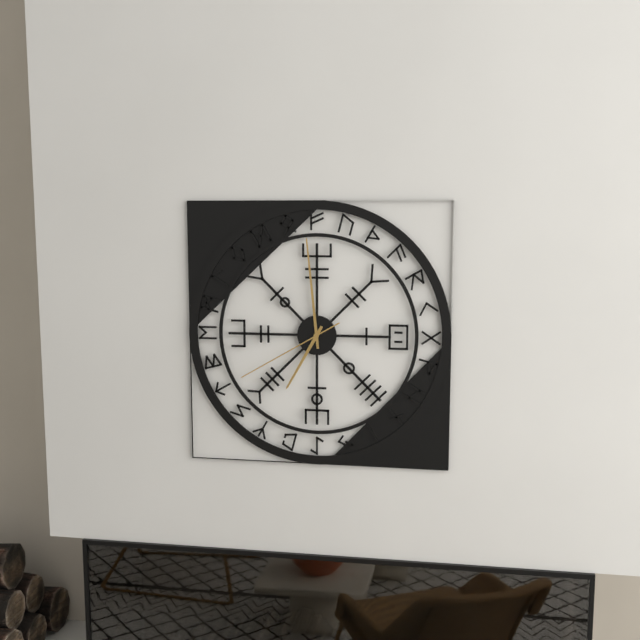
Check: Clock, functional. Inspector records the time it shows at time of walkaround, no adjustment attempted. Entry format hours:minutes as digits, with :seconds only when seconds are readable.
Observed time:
6:59:40
